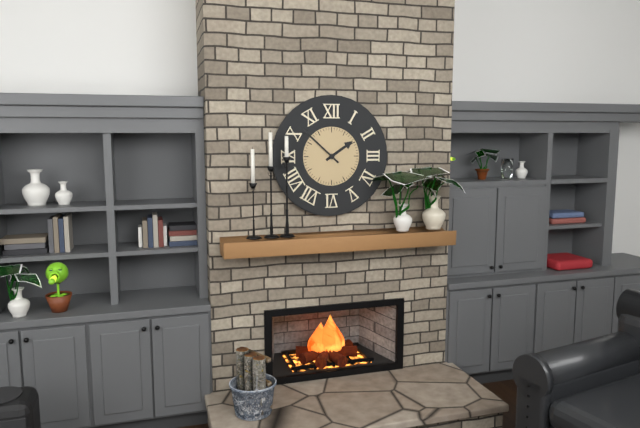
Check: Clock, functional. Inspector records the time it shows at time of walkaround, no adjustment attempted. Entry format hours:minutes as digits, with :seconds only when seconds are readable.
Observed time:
1:52
